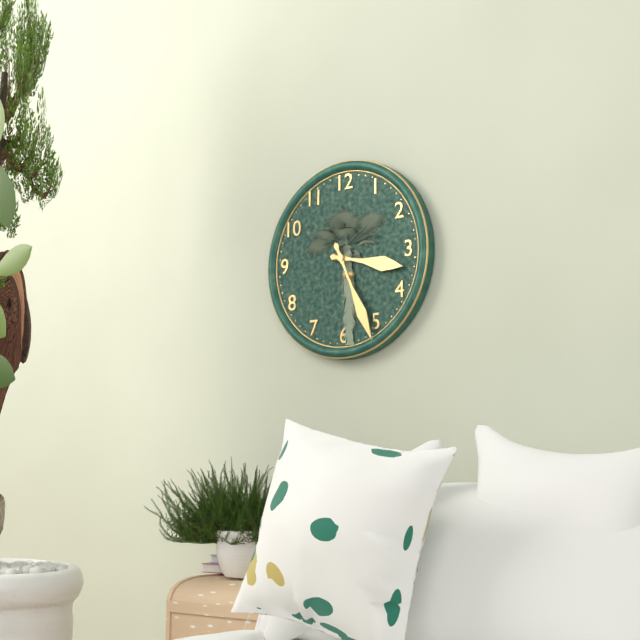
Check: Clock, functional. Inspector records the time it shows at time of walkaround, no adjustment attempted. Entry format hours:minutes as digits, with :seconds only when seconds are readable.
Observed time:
3:26
